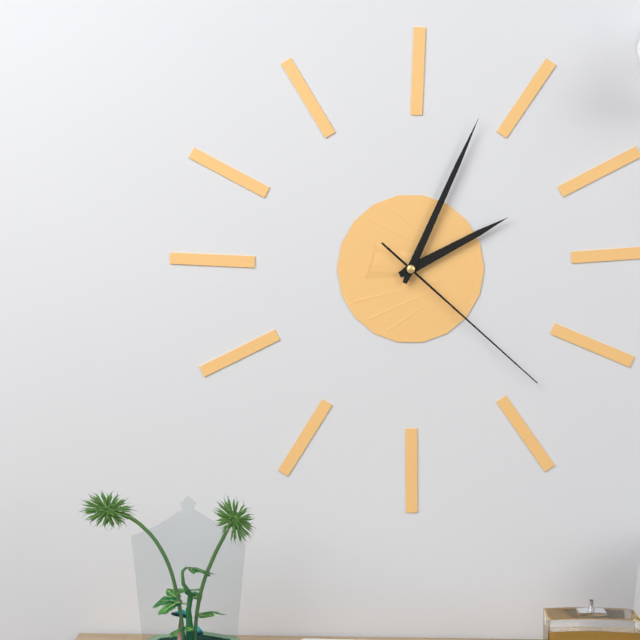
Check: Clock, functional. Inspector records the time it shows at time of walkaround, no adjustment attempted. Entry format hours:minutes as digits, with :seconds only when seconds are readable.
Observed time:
2:04:22
